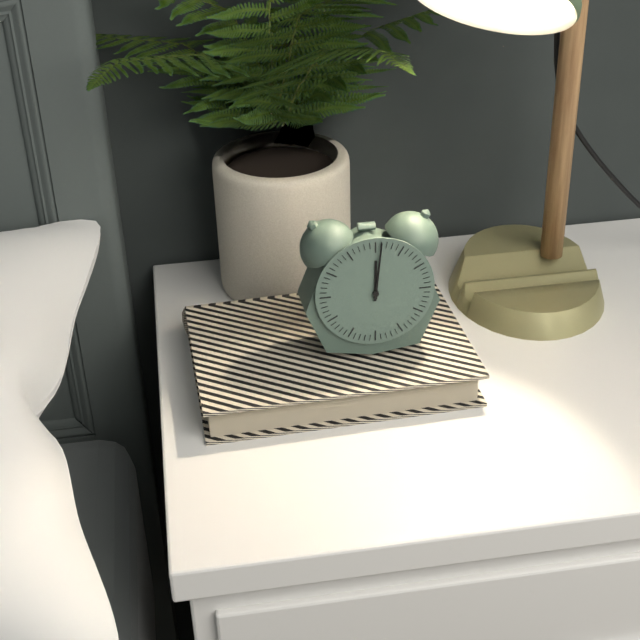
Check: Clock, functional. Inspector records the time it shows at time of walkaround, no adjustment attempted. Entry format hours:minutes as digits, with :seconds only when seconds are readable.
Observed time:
12:01
